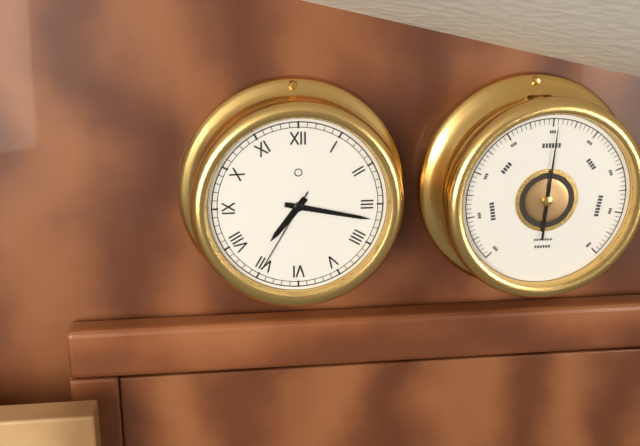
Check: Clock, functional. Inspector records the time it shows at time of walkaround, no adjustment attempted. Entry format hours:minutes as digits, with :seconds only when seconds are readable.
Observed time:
7:17:35
